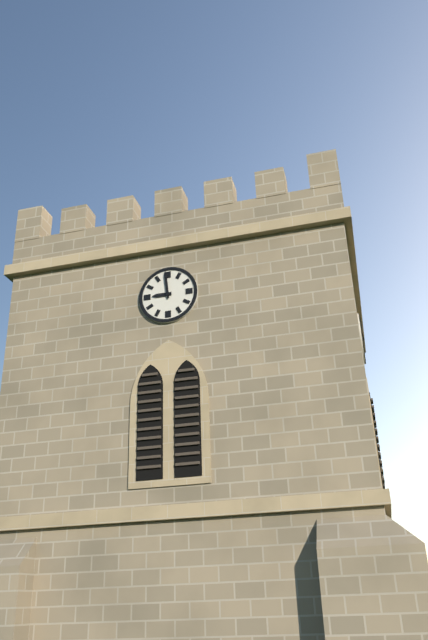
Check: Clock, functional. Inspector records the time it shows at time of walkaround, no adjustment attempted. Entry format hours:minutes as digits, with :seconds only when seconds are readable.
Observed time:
8:59
